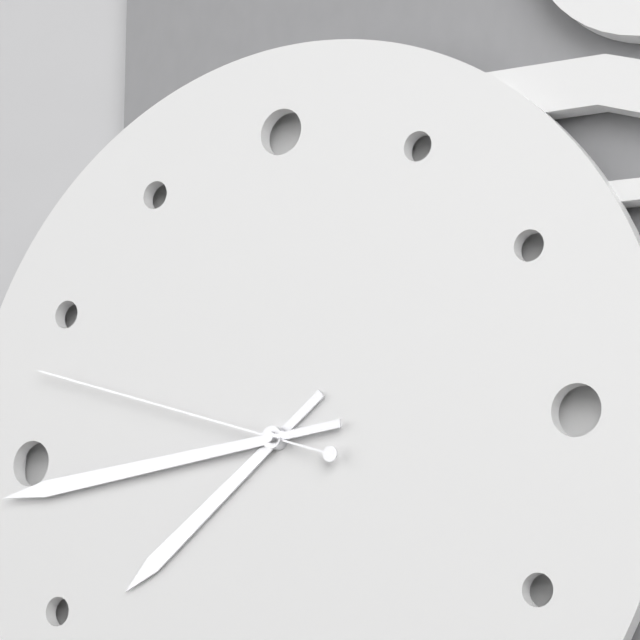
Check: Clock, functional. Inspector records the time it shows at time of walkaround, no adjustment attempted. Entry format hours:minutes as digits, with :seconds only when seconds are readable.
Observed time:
7:44:48
